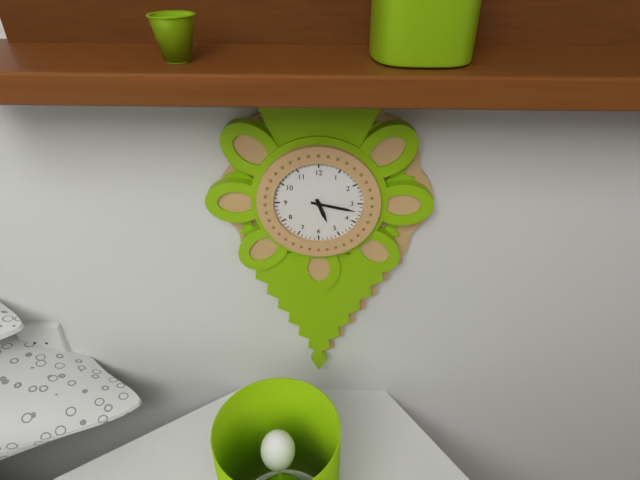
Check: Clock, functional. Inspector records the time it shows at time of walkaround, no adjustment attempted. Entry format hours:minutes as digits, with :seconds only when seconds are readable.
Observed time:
5:17
